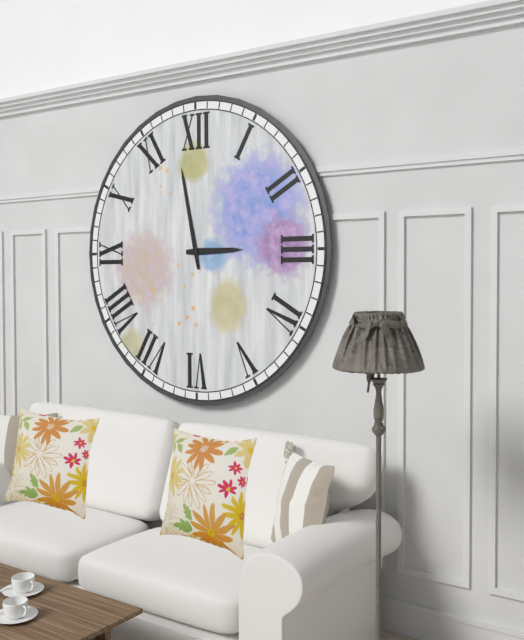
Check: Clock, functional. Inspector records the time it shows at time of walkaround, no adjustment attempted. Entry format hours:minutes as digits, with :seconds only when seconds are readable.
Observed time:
2:58
